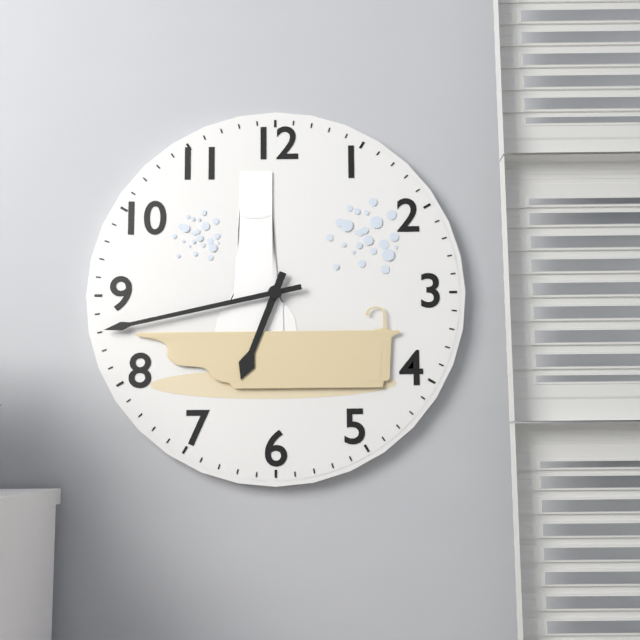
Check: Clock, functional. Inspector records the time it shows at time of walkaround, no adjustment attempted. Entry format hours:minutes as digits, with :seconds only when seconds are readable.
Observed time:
6:43
